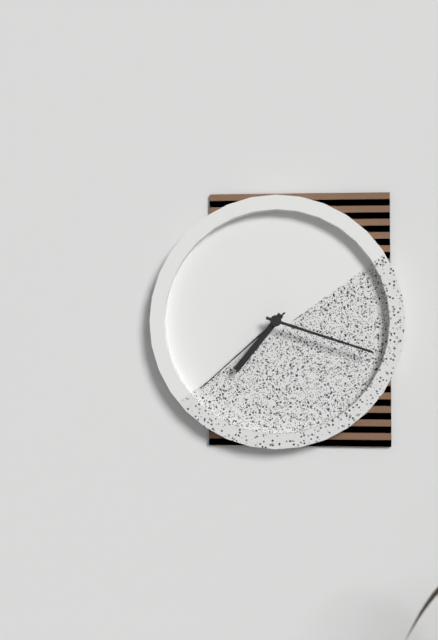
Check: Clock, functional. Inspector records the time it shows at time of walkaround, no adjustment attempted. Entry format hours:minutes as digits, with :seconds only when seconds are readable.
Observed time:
7:18:38
